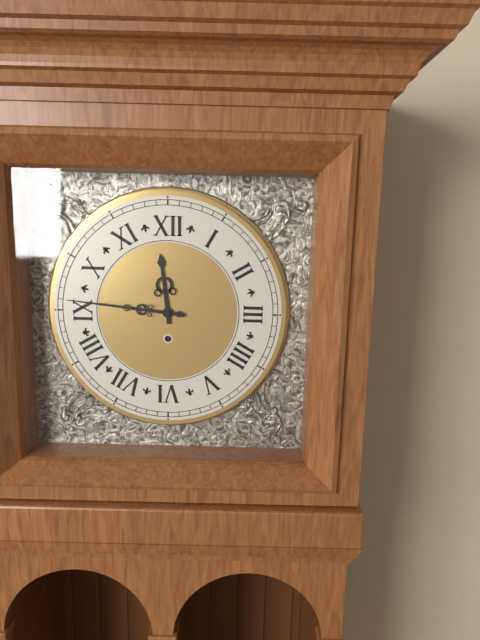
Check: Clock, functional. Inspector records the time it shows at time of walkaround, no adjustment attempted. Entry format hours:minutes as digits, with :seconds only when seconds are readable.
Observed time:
11:46
